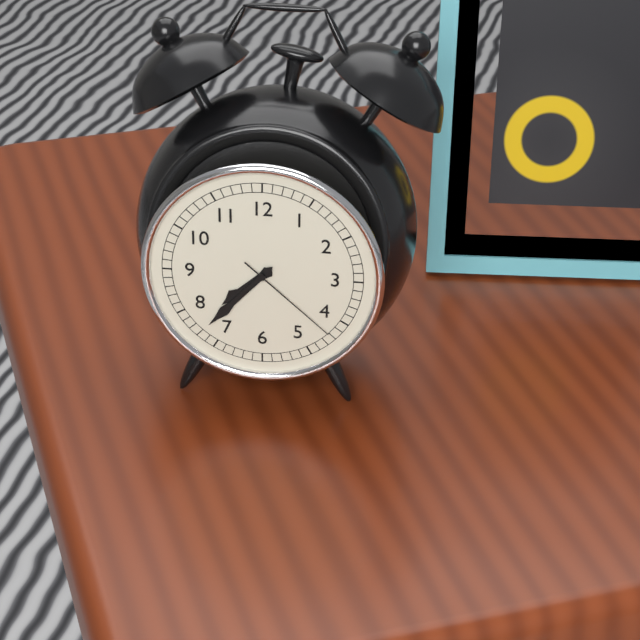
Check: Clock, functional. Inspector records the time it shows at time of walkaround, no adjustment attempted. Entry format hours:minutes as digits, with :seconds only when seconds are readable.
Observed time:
7:37:22
